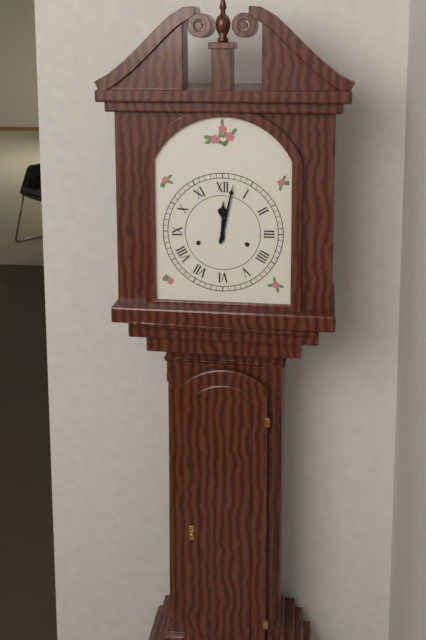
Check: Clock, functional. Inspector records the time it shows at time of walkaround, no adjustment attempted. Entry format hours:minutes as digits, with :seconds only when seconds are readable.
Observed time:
12:02
